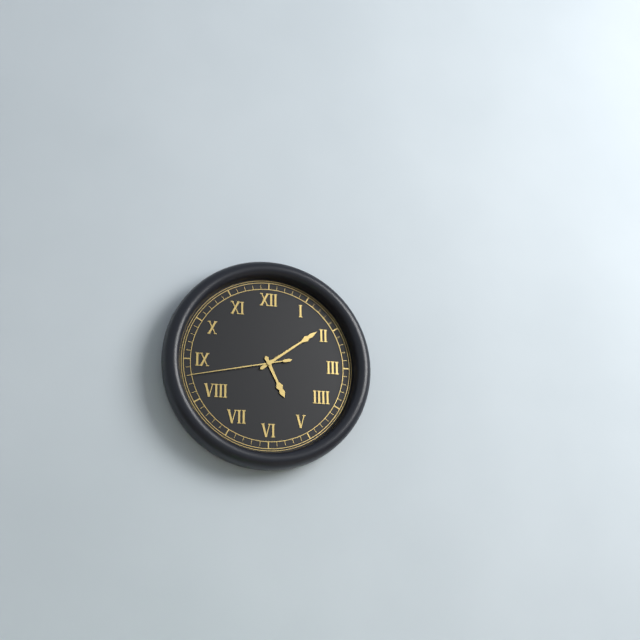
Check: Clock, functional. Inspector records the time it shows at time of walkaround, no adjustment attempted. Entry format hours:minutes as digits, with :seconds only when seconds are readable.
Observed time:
5:09:43
